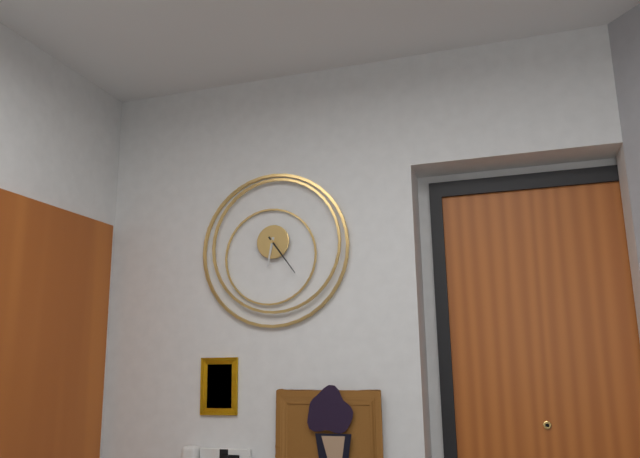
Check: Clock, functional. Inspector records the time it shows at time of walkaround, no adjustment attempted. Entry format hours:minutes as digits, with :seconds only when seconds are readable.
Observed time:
6:24
